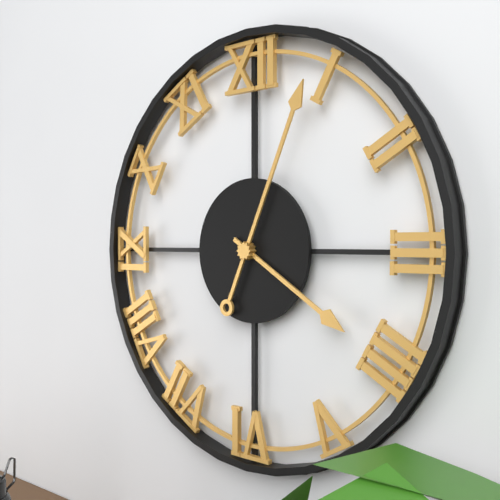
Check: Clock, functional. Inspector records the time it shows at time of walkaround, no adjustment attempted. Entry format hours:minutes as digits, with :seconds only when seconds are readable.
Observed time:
4:04
